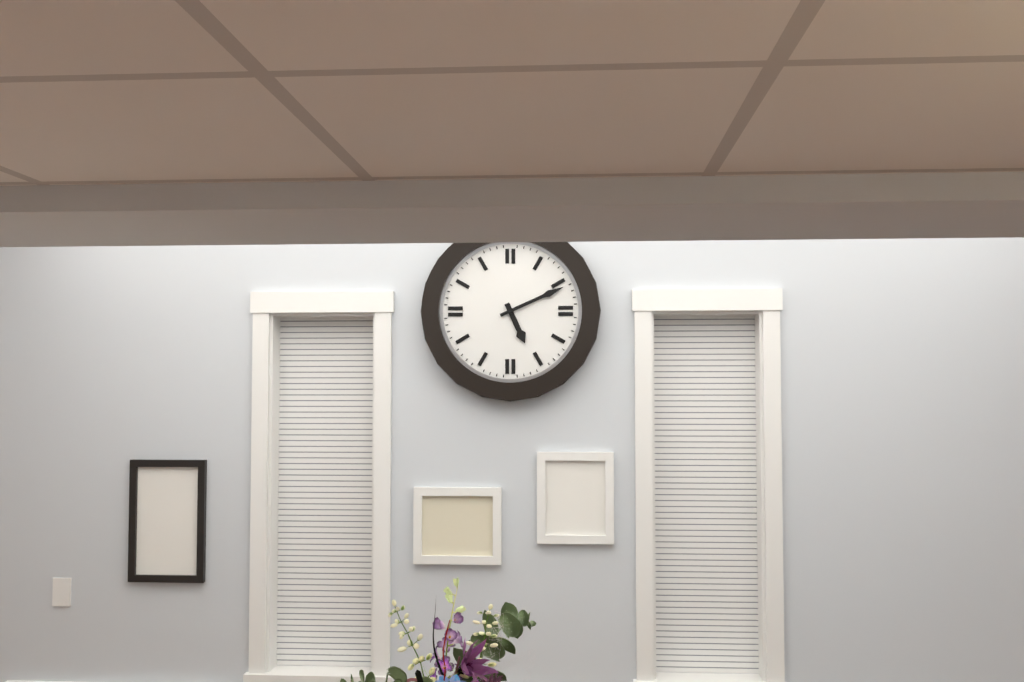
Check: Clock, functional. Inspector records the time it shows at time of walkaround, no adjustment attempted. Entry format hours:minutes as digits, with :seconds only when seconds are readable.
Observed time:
5:11
